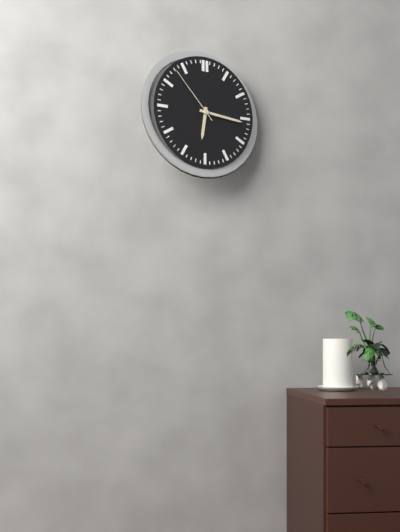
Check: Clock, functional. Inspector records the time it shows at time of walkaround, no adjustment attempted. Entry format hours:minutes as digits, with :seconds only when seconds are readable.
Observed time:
6:16:53
